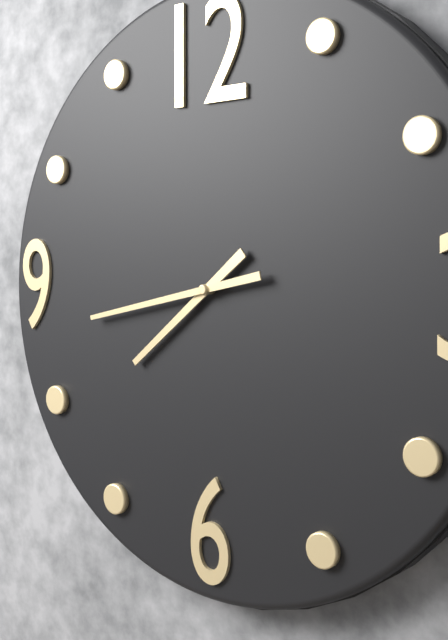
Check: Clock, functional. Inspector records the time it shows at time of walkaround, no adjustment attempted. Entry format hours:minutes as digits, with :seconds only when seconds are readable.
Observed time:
7:43
